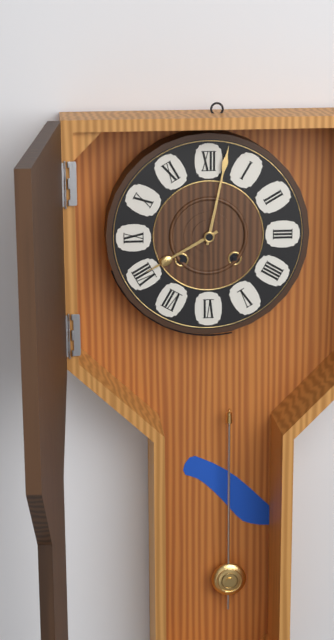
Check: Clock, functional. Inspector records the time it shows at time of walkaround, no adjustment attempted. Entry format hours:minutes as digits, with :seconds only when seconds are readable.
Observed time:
8:02
